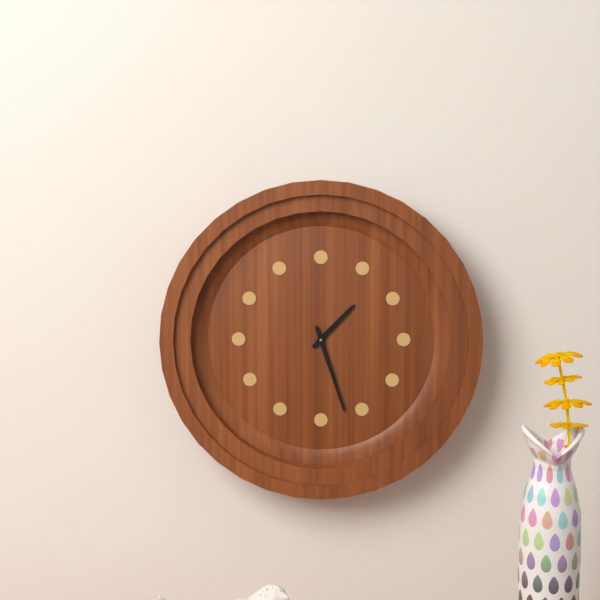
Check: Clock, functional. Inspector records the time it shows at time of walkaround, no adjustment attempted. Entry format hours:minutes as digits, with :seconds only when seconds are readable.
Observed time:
1:27
